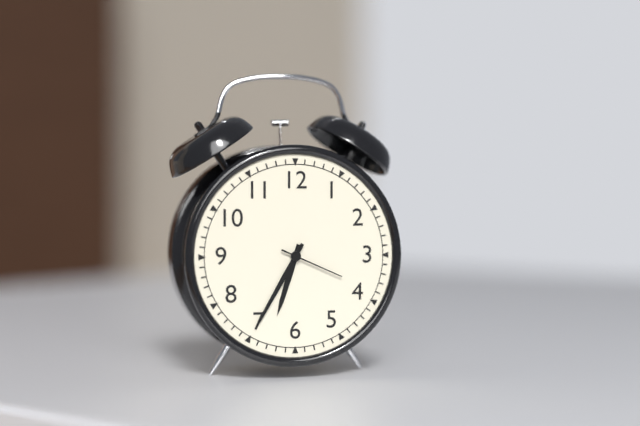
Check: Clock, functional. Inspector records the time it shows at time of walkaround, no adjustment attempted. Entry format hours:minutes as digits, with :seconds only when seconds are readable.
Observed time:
6:35:19
